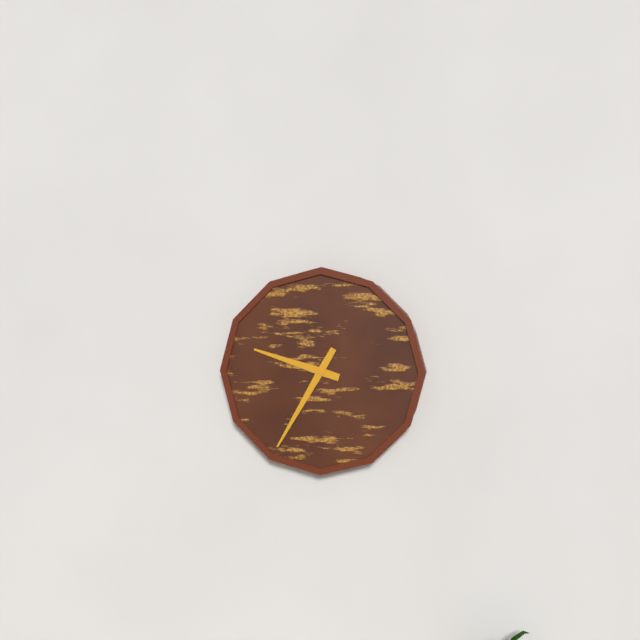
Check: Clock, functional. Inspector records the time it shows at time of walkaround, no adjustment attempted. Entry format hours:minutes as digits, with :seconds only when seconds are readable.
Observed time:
9:35
